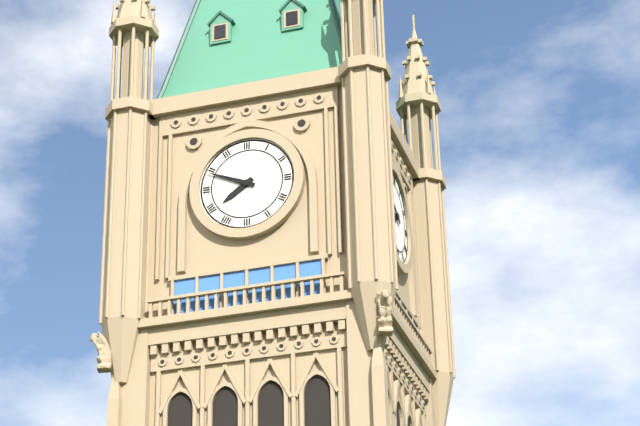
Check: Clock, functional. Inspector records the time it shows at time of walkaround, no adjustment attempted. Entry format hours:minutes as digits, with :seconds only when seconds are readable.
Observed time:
7:49
